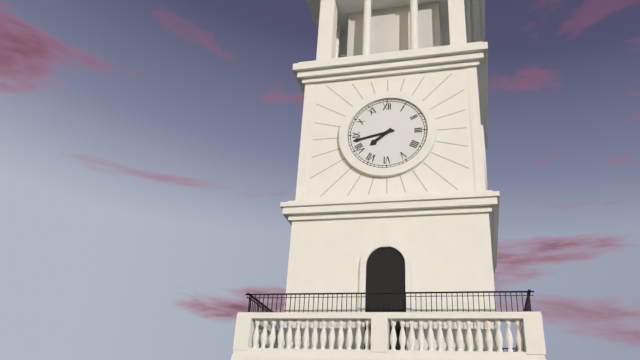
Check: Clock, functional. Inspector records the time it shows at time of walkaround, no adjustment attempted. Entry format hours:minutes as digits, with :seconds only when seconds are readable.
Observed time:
7:43
